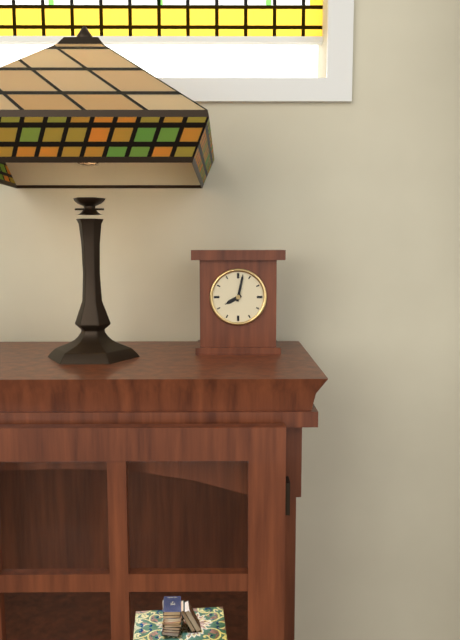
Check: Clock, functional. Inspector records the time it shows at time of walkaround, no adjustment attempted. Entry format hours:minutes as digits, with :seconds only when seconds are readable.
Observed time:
8:02
